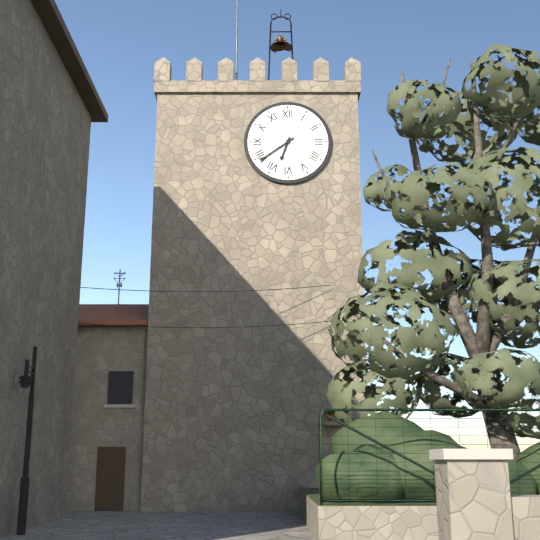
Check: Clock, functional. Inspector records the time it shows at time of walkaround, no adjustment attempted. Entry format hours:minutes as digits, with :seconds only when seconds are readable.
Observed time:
6:39
